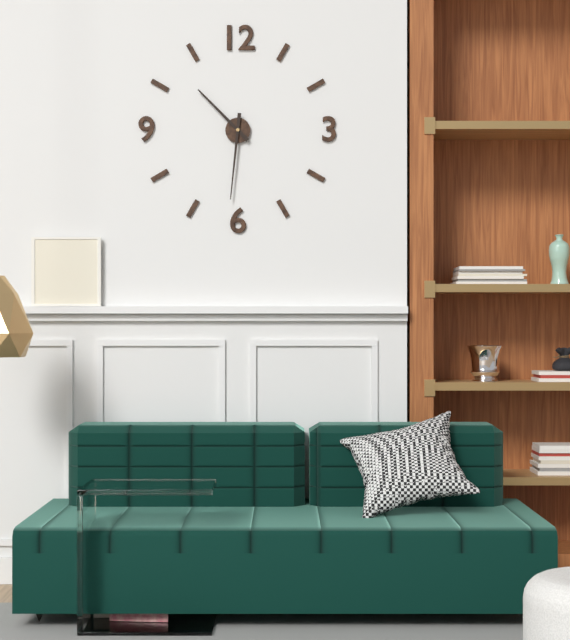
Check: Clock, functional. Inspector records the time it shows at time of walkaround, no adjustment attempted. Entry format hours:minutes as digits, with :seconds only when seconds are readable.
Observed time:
10:31
